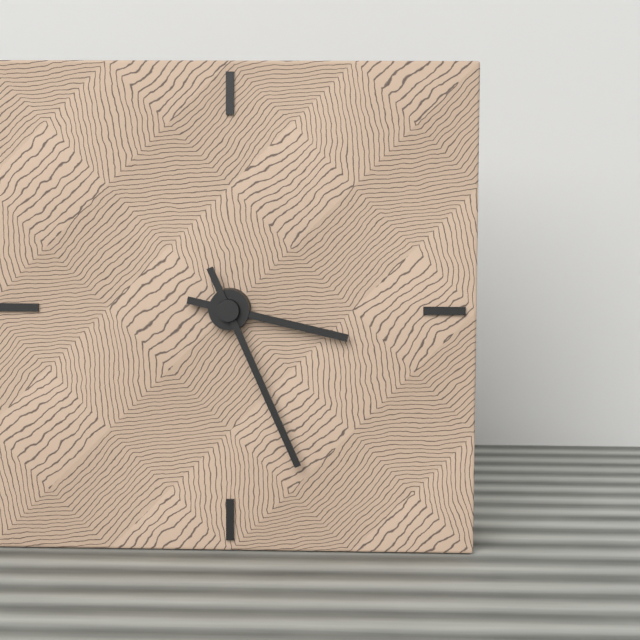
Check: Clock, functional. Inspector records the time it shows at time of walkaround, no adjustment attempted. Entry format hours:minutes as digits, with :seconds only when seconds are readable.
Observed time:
3:26
